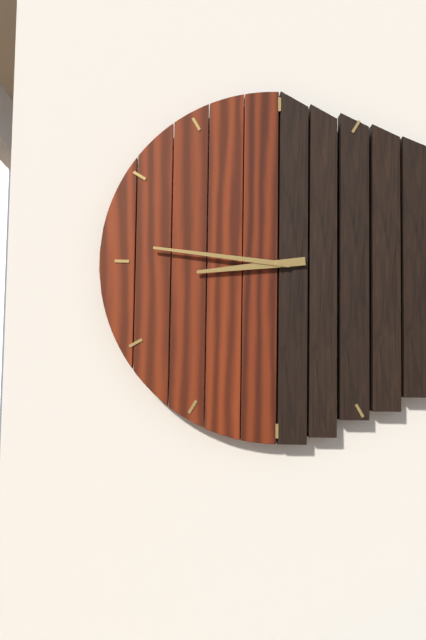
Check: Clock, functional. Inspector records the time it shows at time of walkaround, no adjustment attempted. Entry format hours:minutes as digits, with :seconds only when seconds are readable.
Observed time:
8:46
